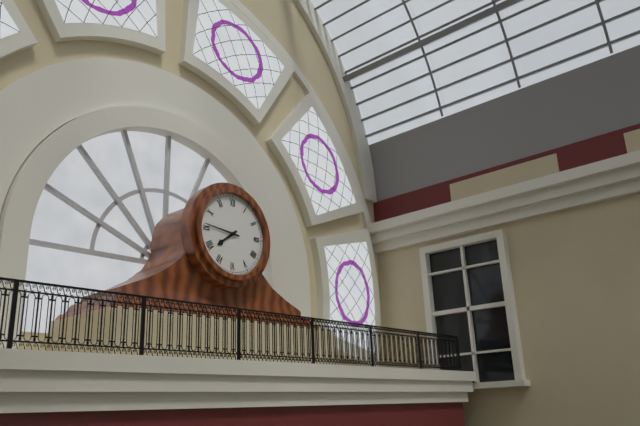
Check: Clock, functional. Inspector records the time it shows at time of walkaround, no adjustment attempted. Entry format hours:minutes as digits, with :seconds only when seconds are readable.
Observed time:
7:46
